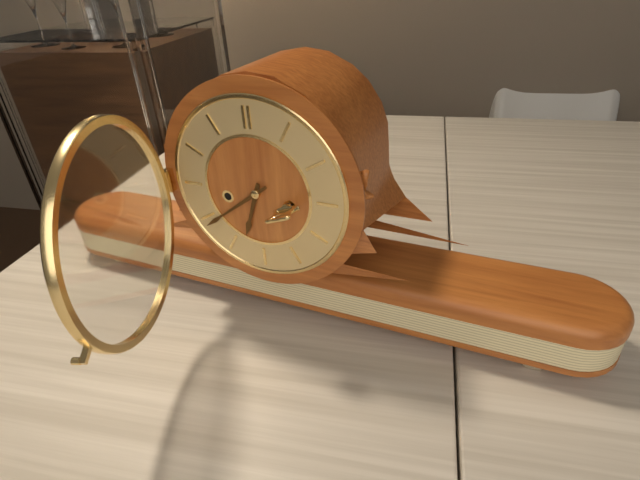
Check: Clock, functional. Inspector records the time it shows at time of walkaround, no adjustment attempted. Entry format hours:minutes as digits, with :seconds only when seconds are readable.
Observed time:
6:39
